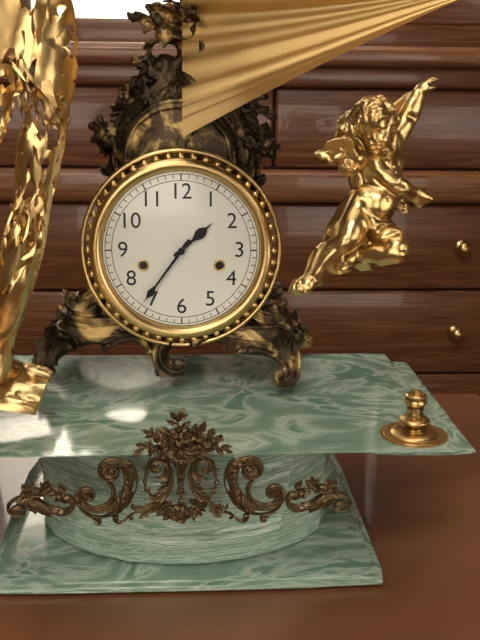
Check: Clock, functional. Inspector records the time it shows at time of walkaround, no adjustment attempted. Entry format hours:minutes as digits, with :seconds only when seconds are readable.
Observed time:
1:36
